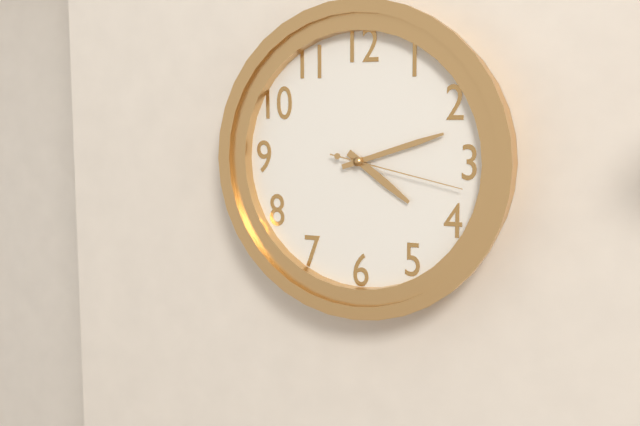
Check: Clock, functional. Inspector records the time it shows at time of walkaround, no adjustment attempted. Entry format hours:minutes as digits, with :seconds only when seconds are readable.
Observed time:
4:12:17
